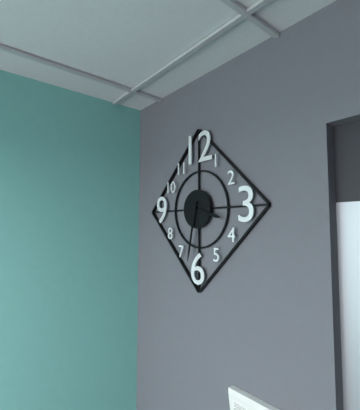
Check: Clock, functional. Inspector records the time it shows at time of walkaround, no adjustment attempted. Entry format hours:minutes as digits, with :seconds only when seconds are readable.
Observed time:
3:32
